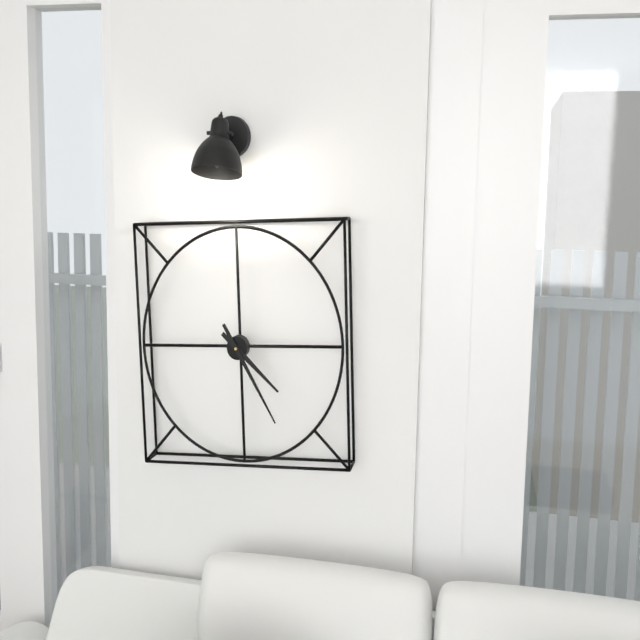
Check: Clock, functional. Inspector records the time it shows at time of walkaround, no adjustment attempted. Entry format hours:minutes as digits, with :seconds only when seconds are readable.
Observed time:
4:25
